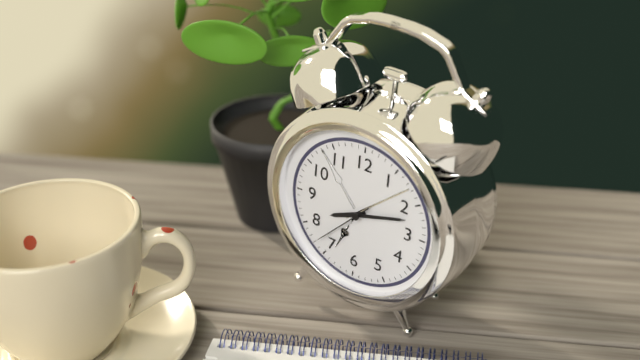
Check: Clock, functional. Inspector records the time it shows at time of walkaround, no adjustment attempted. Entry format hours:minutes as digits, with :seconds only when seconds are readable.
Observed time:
8:12:37
